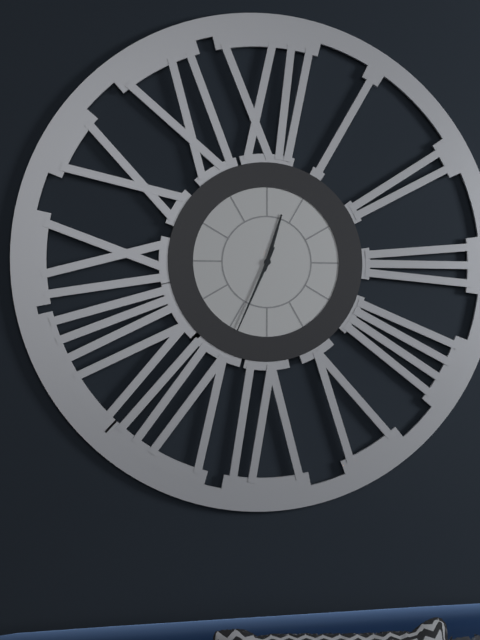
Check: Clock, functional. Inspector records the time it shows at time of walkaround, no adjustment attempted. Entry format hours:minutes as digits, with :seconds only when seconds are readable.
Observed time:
12:34
